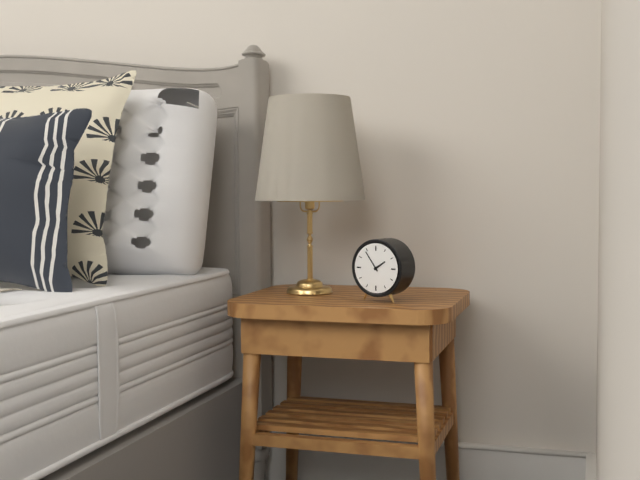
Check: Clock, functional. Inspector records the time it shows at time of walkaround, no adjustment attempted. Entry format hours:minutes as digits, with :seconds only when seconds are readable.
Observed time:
1:54
